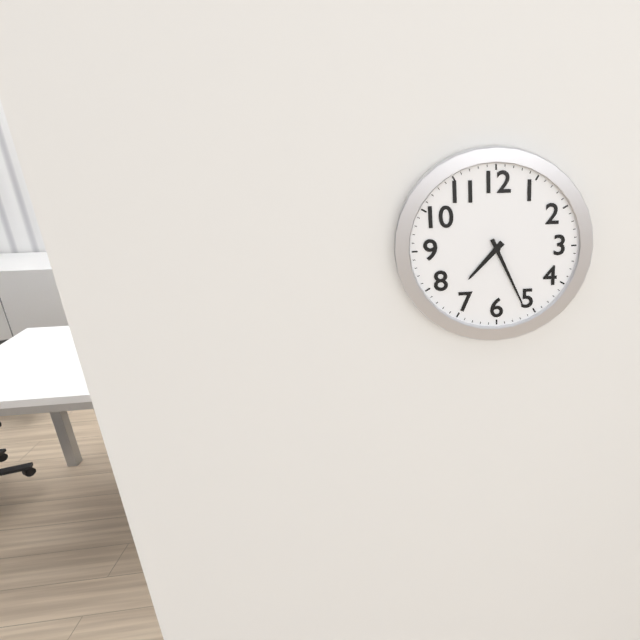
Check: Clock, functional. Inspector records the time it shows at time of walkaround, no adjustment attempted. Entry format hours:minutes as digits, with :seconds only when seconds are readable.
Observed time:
7:26
